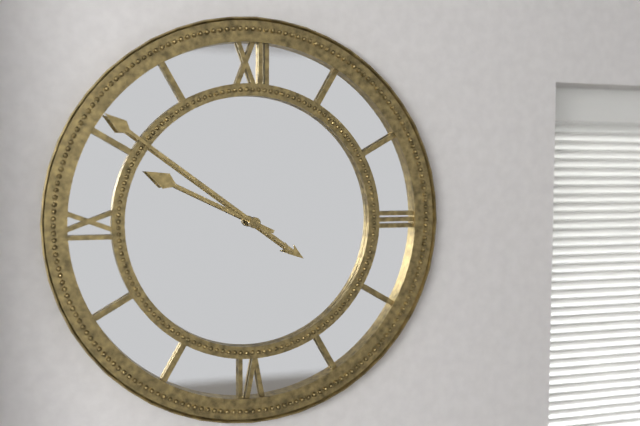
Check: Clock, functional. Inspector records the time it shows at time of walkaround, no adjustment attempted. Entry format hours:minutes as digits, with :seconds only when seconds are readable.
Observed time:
9:51
